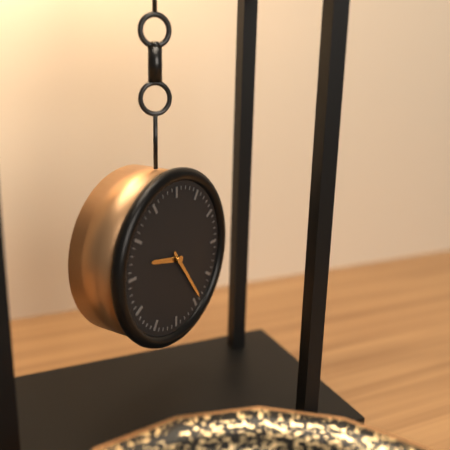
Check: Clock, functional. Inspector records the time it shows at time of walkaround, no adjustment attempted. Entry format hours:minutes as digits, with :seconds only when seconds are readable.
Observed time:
9:24
